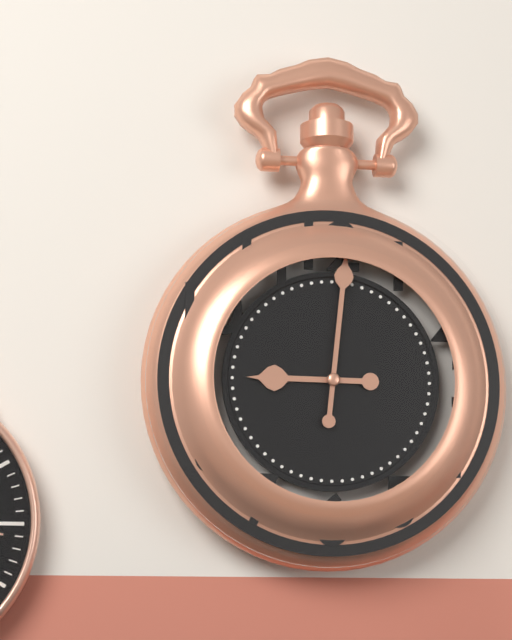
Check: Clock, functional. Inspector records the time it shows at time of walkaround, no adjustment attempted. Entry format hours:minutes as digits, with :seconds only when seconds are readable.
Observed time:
9:01
